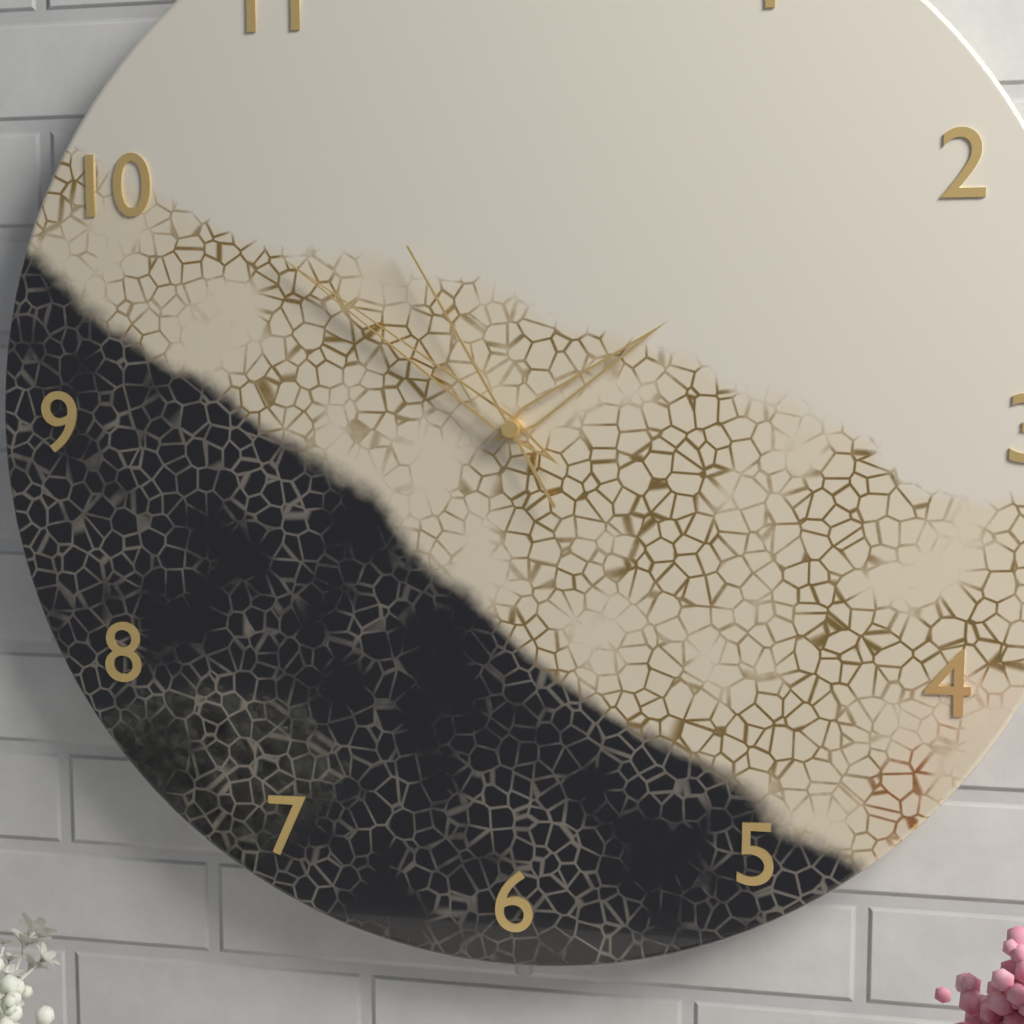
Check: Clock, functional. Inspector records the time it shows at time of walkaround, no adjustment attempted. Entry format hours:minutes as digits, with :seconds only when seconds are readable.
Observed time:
1:51:55
